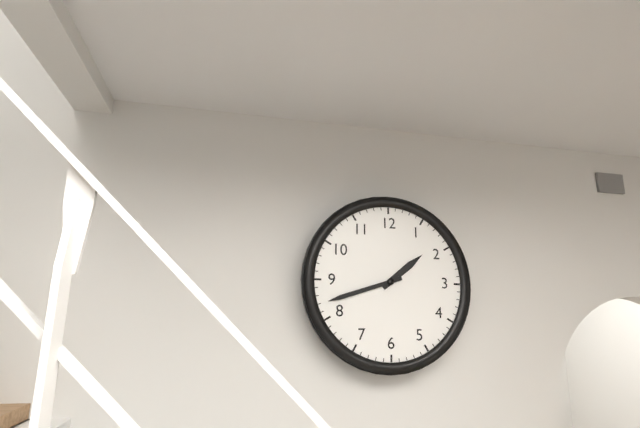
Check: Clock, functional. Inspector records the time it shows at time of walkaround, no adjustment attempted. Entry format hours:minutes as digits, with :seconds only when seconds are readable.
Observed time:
1:42
